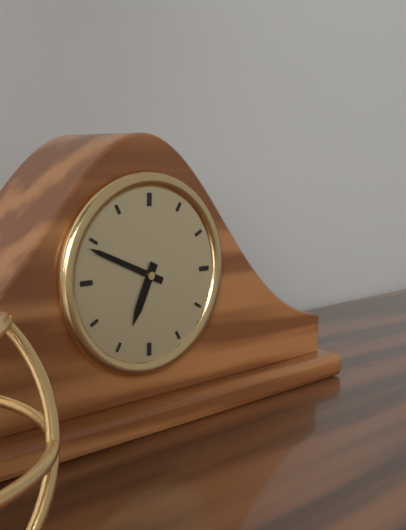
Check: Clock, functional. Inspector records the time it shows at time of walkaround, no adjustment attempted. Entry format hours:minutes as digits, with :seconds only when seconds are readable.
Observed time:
6:49
